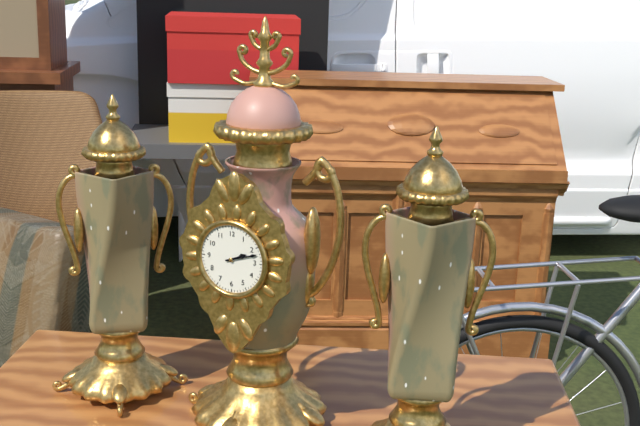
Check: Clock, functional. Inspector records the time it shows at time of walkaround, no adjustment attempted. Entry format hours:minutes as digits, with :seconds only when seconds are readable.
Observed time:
2:12
